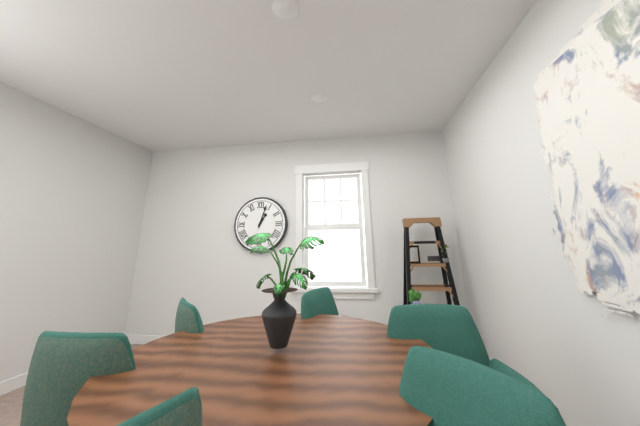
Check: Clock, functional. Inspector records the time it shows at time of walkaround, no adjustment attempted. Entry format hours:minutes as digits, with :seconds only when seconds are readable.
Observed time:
1:03
